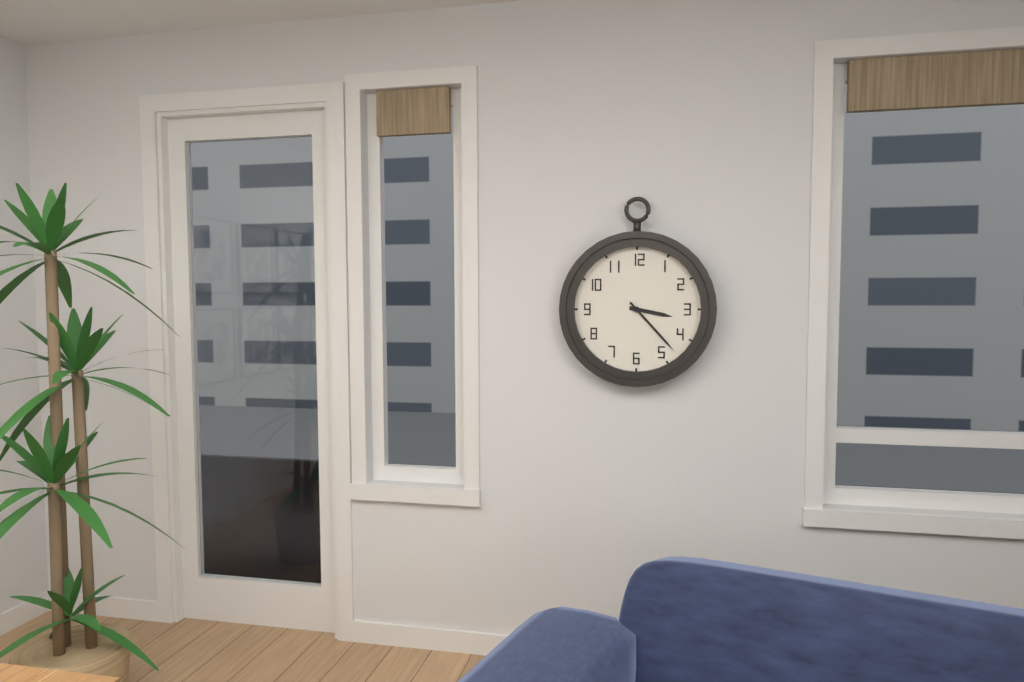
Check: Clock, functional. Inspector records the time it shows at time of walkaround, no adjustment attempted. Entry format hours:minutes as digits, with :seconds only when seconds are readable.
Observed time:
3:23
